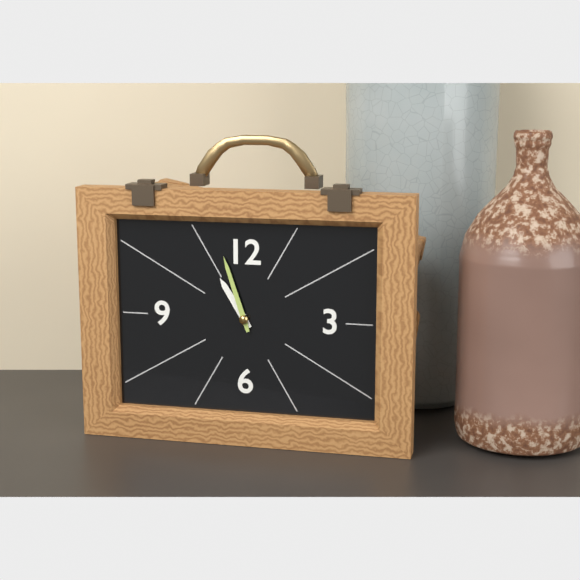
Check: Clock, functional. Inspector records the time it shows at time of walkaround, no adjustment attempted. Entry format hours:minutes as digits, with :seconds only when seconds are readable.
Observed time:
10:57
